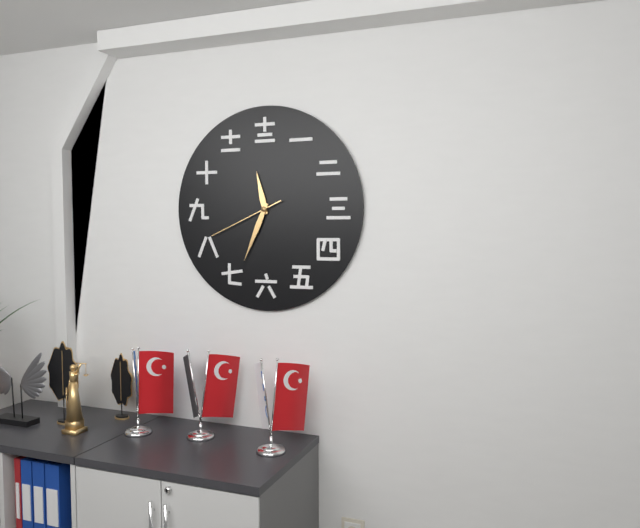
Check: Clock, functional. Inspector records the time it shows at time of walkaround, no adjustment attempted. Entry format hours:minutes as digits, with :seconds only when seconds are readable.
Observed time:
11:34:41
